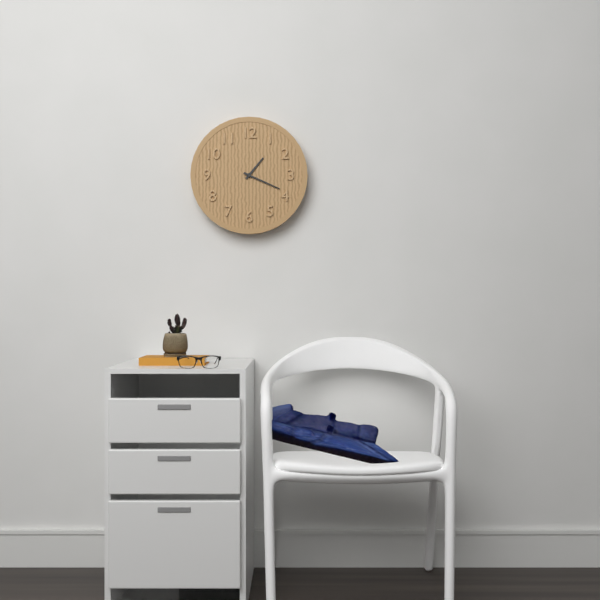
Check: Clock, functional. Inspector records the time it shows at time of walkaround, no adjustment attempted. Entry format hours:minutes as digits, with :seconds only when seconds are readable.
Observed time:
1:19
